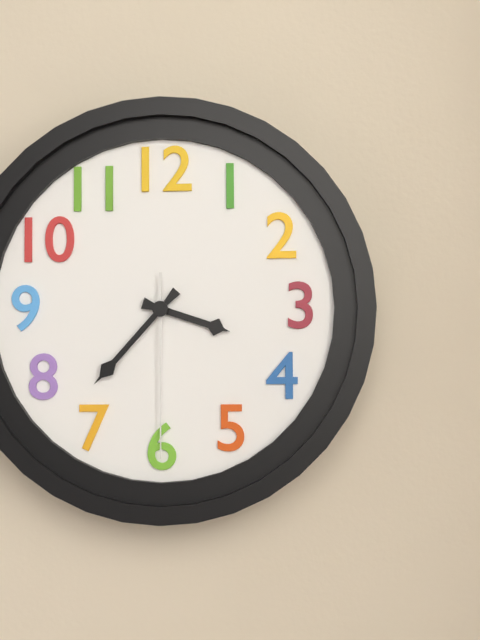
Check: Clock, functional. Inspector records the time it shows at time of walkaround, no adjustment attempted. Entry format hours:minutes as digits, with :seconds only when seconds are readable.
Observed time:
3:37:30
